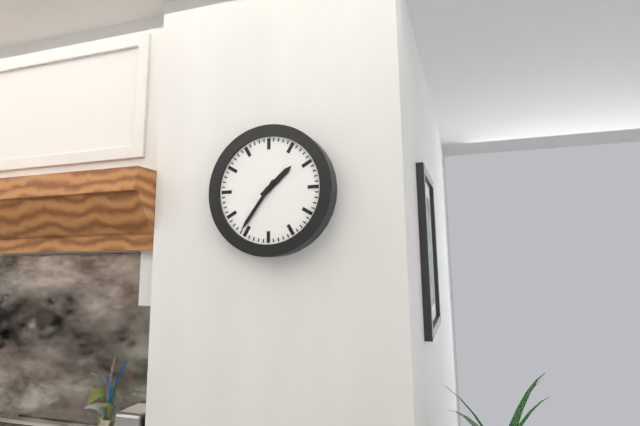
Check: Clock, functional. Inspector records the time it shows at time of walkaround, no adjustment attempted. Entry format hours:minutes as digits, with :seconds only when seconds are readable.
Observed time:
1:36
